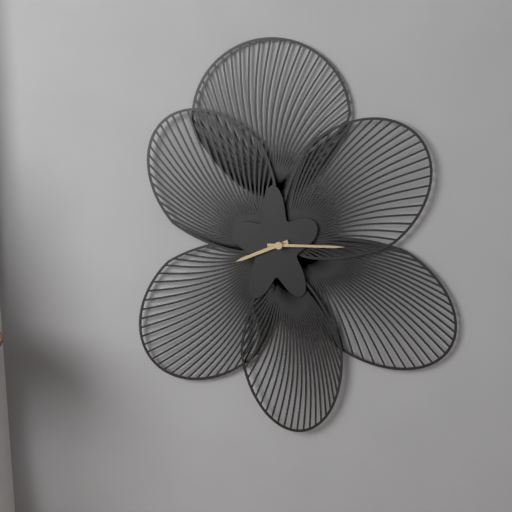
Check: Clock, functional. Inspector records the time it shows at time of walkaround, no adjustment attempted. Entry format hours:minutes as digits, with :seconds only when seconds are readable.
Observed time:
8:15
